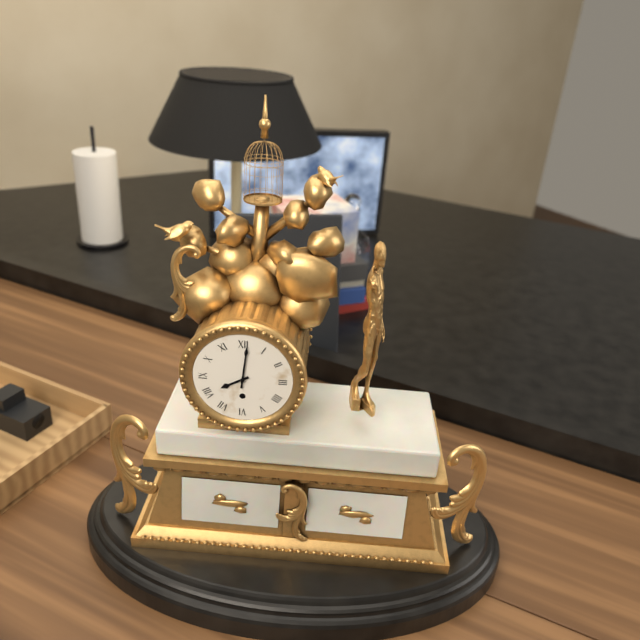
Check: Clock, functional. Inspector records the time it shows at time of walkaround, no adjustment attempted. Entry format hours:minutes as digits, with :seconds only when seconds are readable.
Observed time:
8:01
